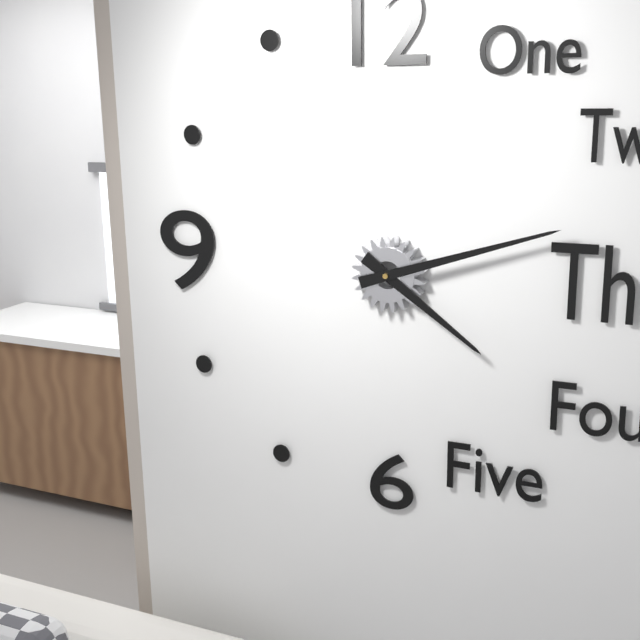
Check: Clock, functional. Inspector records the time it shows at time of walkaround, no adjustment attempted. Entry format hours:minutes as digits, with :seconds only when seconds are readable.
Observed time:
4:12
